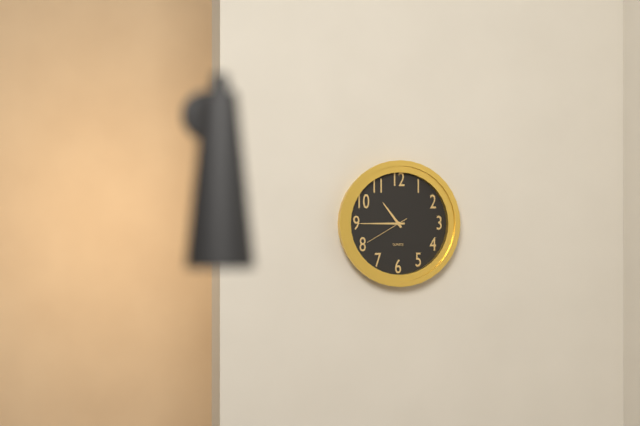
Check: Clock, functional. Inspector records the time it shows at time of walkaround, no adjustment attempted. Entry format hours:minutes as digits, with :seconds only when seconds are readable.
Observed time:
10:45
